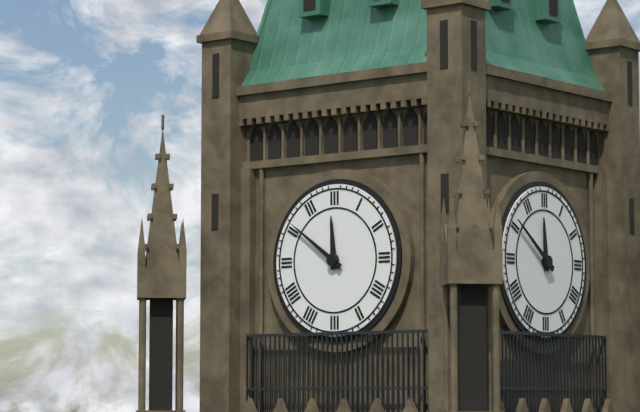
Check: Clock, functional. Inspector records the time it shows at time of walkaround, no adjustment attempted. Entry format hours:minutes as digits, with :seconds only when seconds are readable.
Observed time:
11:51
